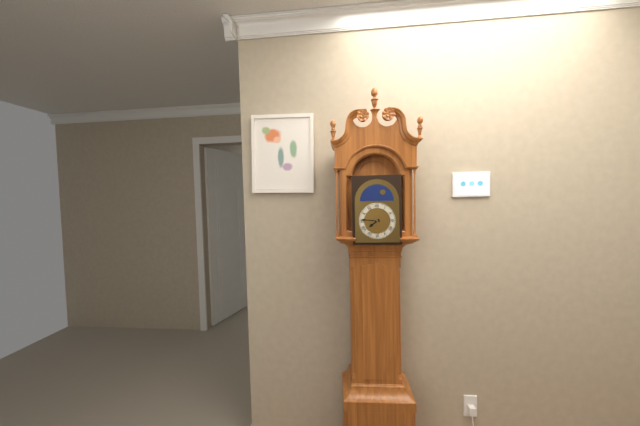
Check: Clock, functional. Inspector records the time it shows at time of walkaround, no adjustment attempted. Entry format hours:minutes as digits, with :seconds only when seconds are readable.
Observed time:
7:46
